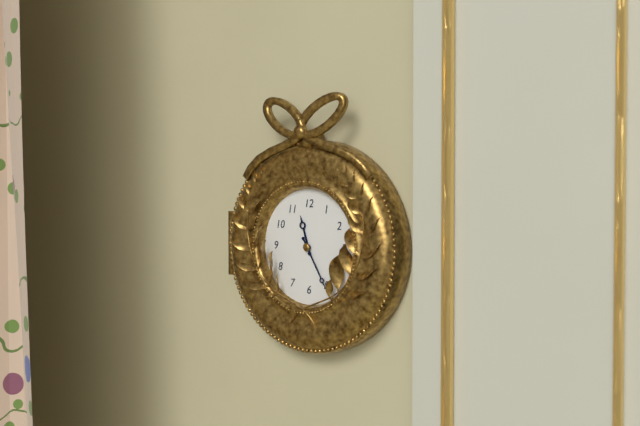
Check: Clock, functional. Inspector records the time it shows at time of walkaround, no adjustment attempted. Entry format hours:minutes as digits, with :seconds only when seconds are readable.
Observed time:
11:25
